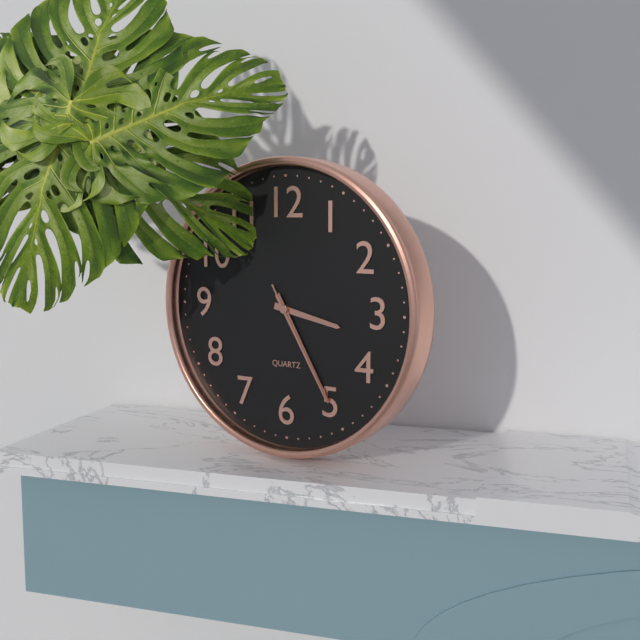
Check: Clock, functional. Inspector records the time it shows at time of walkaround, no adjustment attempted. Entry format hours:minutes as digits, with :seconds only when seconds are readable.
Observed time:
3:25:25
